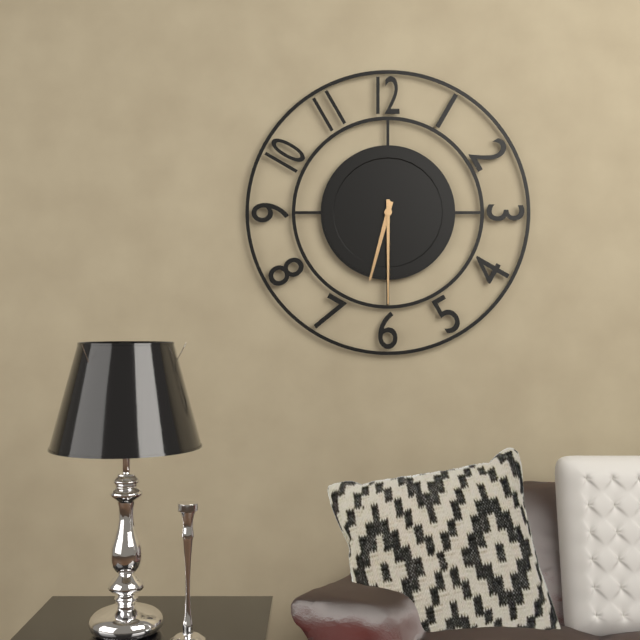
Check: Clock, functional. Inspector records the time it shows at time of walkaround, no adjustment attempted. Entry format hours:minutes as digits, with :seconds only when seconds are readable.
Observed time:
6:30
